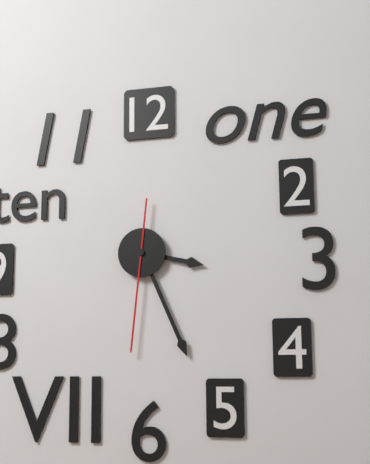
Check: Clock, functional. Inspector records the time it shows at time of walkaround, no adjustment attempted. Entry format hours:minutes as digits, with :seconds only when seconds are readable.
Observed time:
3:26:31
